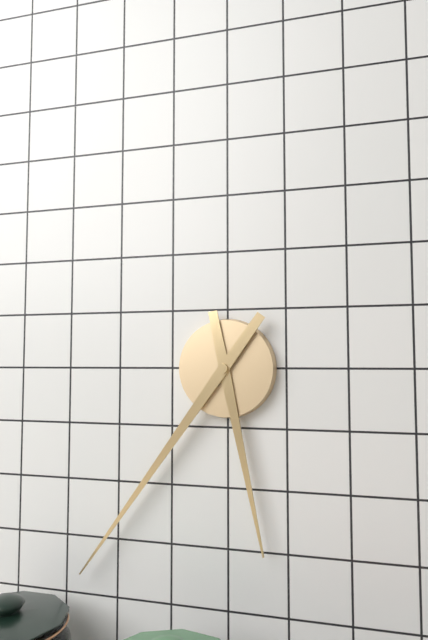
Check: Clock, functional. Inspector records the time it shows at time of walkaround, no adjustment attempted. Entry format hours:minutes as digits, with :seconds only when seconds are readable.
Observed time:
5:36
